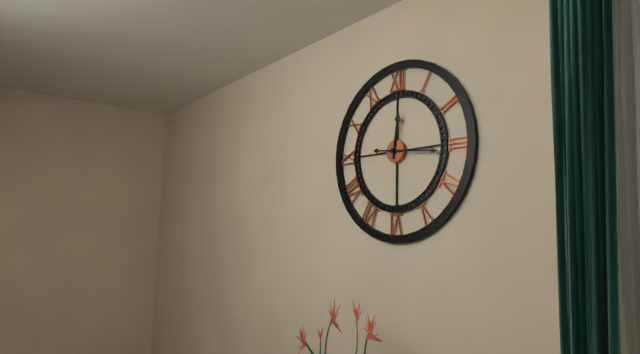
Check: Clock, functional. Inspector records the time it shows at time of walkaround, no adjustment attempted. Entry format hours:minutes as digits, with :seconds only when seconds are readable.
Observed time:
12:16
